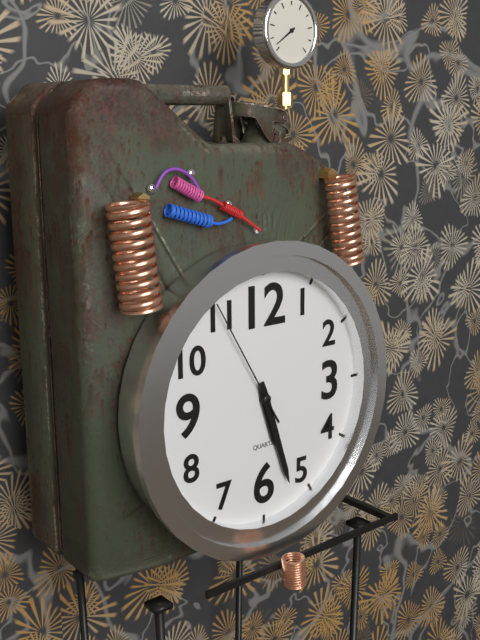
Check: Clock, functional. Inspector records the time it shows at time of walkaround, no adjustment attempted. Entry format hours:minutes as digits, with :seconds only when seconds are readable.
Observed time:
5:27:55
